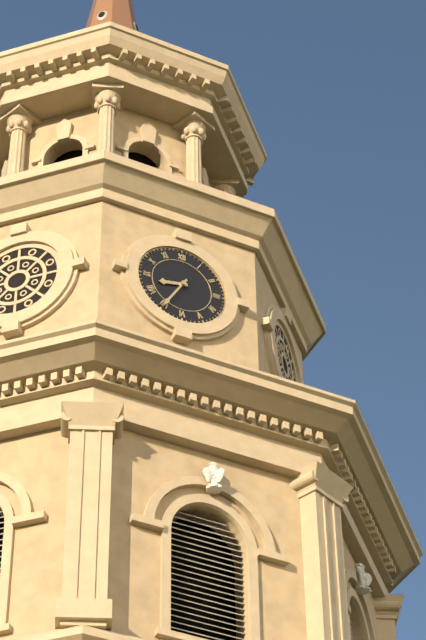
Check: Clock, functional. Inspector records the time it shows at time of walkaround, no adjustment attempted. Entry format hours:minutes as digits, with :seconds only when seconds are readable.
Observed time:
8:35
